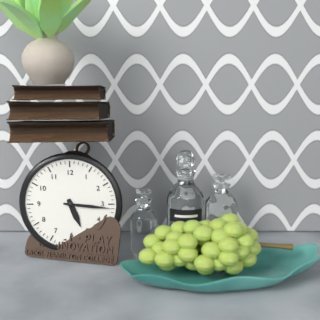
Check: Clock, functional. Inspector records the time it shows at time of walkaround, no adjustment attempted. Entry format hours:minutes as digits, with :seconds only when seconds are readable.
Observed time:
5:16
